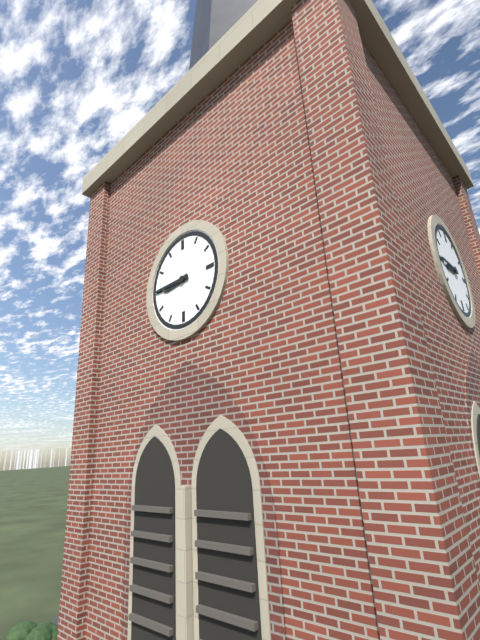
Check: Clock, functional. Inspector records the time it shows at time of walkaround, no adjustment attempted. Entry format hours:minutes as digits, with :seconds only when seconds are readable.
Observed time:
8:45
